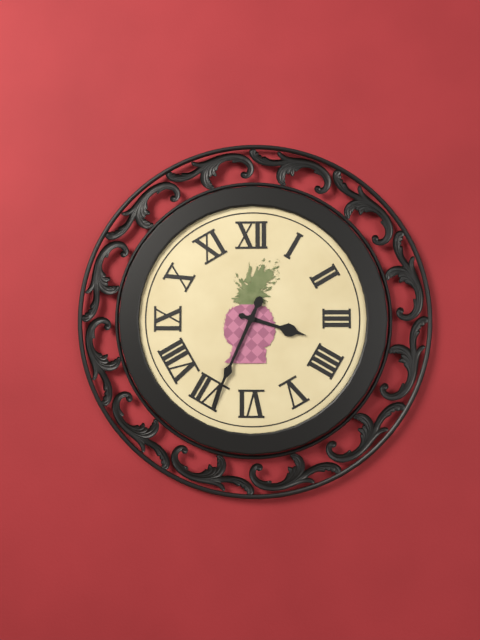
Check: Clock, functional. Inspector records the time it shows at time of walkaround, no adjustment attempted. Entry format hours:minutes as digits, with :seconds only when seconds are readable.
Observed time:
3:34
